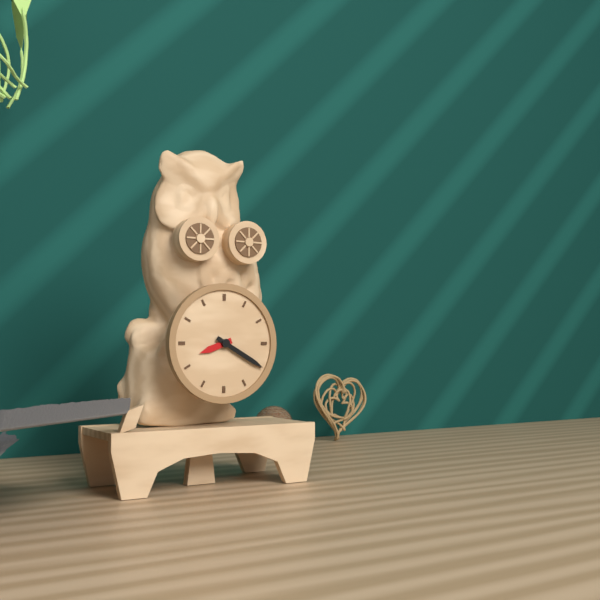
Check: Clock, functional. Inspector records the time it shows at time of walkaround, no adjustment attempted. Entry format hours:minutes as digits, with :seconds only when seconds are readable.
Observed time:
8:20
